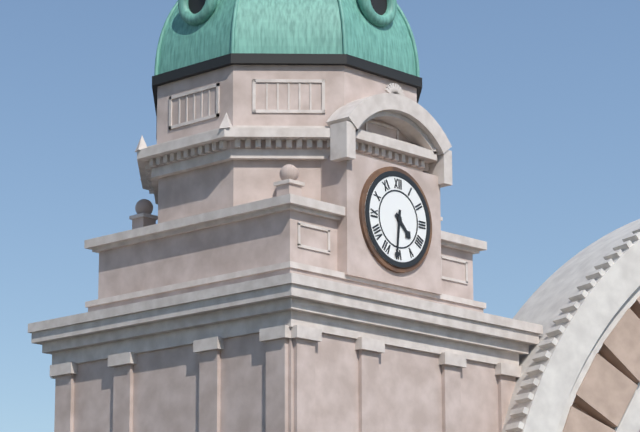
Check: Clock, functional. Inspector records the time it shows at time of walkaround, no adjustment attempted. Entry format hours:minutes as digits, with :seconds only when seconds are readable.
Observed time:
4:31
